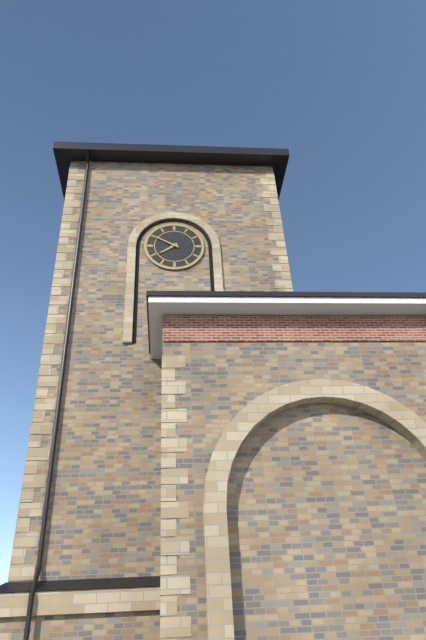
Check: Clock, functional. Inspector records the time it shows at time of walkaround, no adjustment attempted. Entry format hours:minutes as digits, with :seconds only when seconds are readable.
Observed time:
7:50
